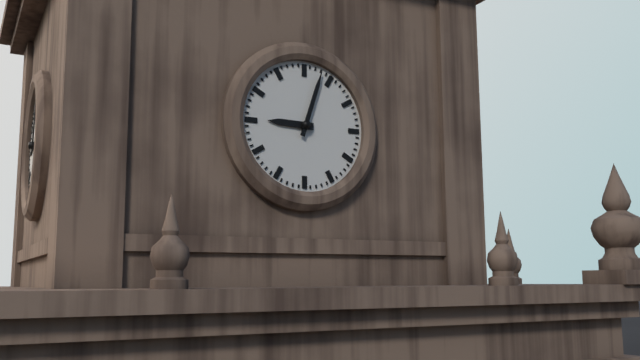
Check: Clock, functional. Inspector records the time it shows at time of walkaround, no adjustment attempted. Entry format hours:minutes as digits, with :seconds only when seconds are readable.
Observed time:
9:03
